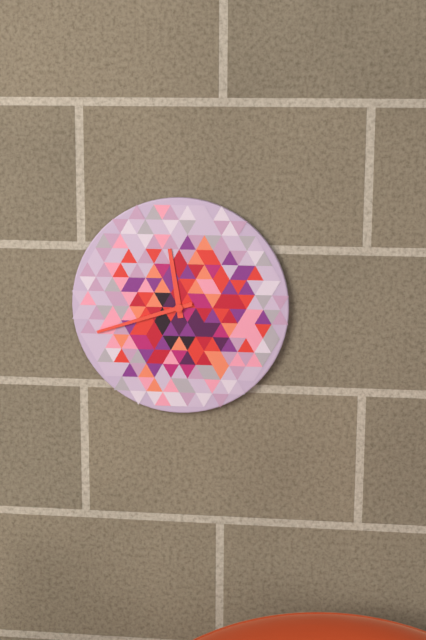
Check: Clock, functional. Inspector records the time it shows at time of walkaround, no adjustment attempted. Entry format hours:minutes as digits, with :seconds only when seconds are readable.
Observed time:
11:42
